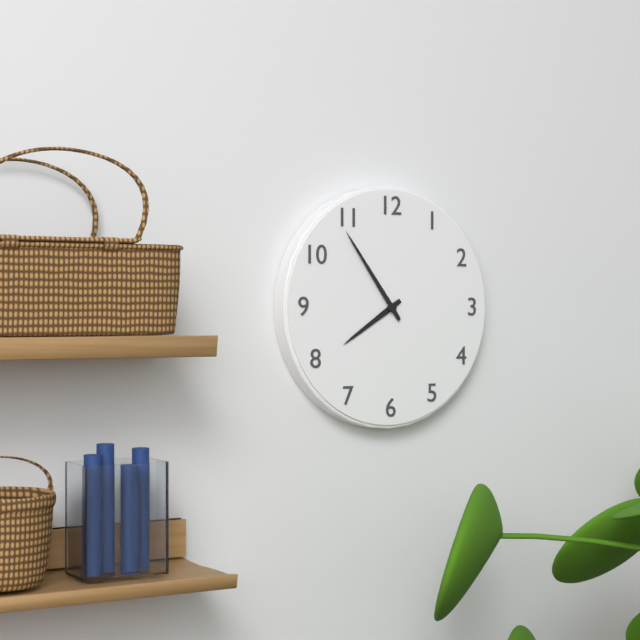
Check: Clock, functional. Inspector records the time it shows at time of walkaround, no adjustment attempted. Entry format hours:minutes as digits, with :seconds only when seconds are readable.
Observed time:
7:54
